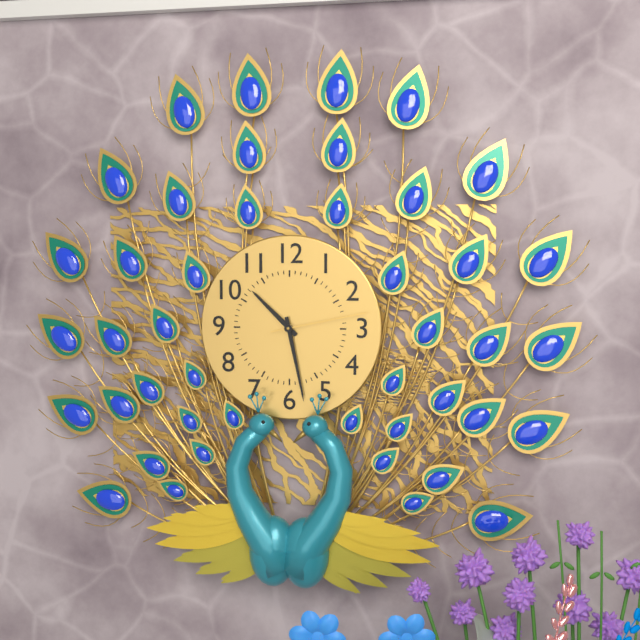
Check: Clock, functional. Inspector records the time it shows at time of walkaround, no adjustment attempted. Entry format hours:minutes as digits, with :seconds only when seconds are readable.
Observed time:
10:28:13
